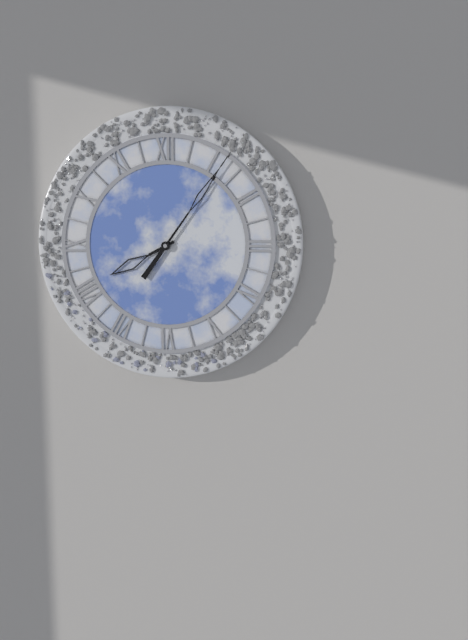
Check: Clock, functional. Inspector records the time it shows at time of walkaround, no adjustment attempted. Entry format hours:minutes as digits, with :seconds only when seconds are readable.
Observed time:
8:06
